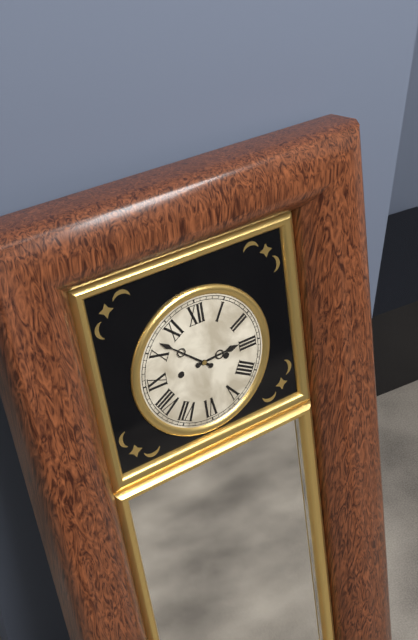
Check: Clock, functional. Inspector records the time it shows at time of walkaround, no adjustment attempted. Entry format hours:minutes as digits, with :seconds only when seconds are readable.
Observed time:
2:52
